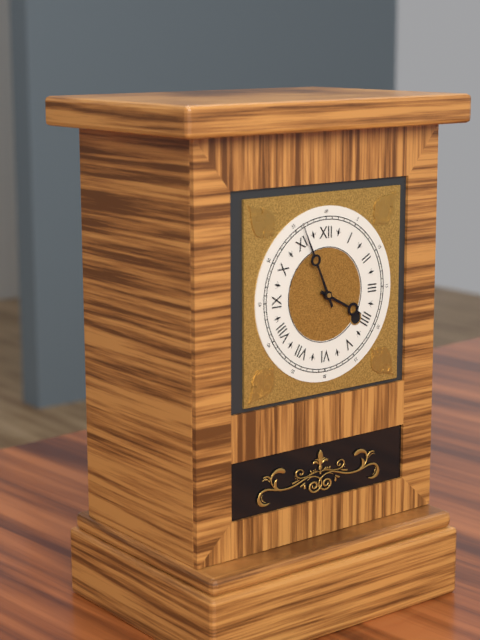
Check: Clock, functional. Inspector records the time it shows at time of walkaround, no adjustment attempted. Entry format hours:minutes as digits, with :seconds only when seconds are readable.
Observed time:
3:56
